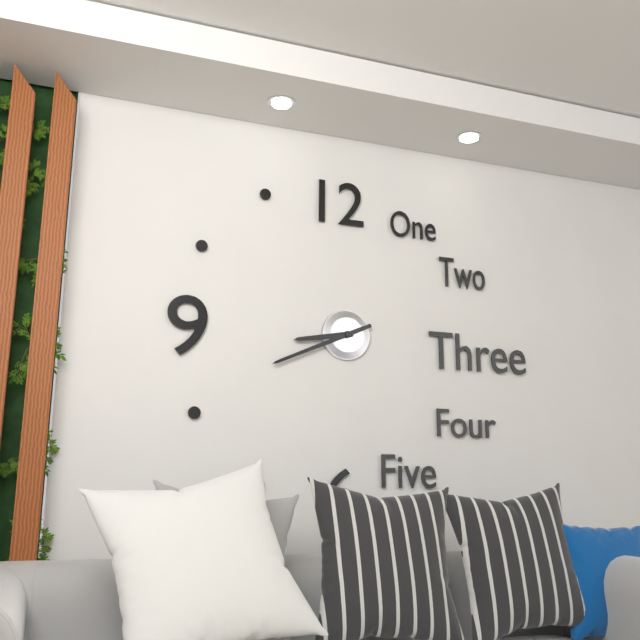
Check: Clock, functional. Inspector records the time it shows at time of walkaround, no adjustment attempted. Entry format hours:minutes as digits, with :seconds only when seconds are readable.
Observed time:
8:41
